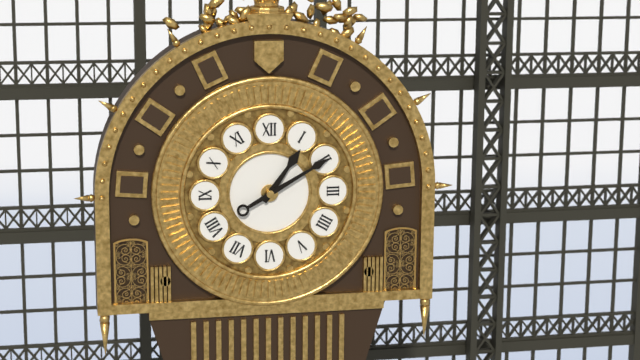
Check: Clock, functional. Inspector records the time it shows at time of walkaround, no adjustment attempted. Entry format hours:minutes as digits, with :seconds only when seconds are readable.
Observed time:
1:10
